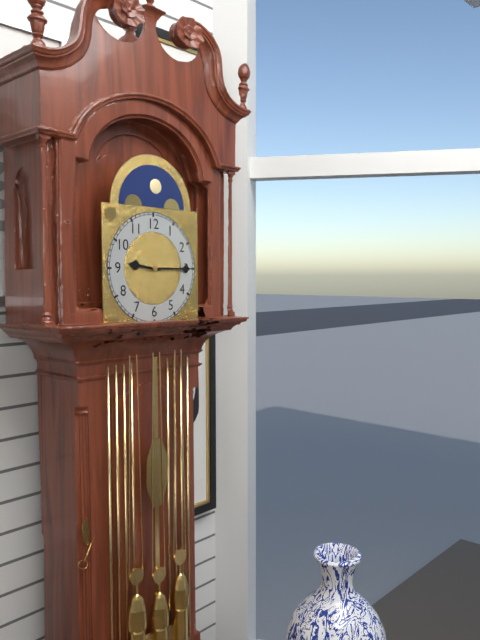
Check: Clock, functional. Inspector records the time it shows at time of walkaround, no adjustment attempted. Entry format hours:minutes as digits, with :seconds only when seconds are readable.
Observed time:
9:15
